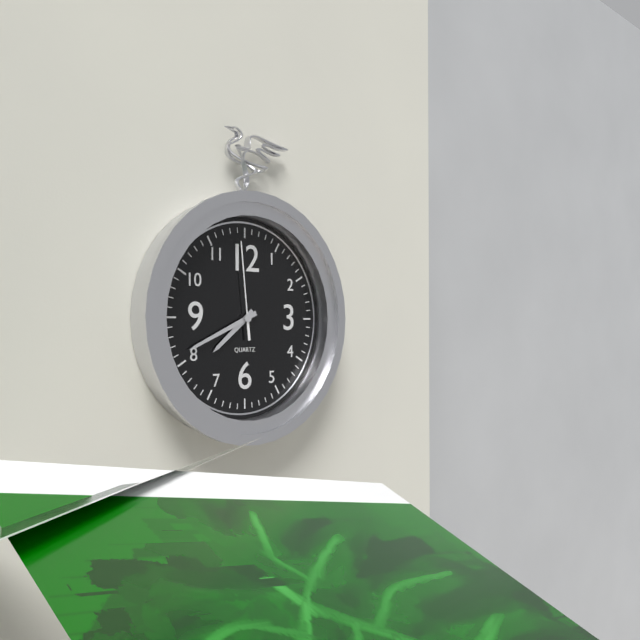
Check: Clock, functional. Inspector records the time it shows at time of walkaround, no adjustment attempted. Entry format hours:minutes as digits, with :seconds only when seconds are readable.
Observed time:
7:41:59
